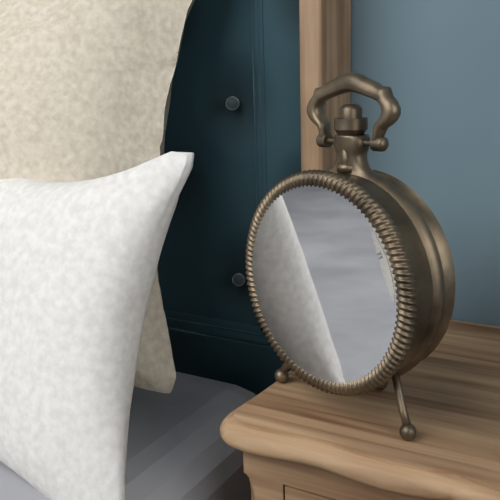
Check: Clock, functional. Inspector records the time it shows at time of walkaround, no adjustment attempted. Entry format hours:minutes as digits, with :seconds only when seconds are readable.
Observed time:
3:59
